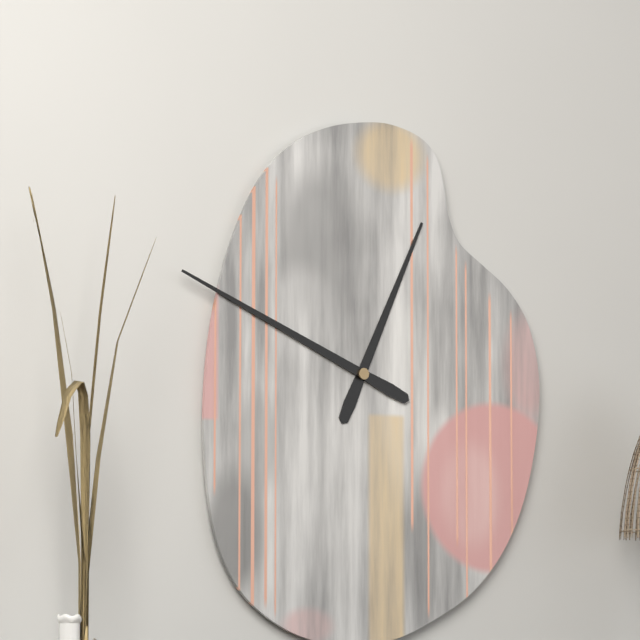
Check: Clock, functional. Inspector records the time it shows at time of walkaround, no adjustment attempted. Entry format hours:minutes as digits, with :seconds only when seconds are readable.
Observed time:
12:49
